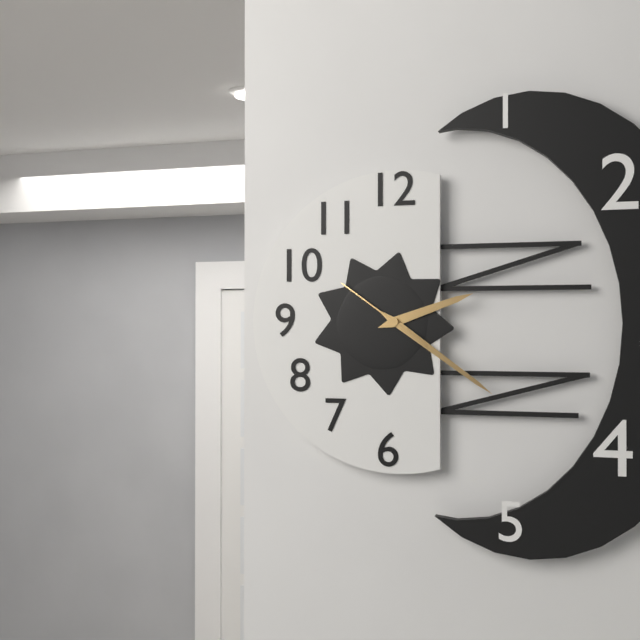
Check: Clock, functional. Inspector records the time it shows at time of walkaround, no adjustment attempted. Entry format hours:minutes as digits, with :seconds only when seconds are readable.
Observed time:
2:21:51
